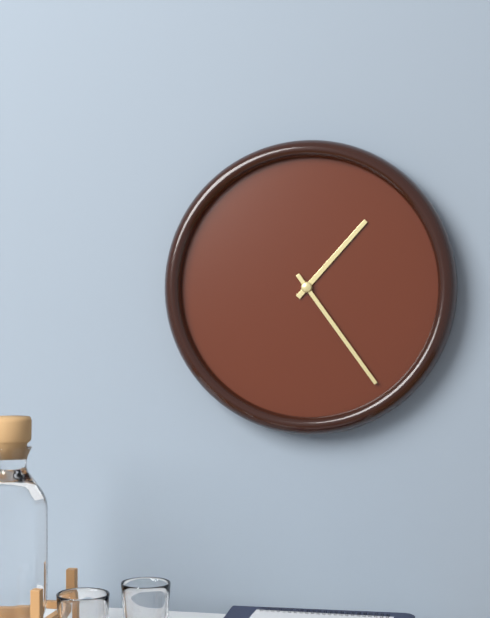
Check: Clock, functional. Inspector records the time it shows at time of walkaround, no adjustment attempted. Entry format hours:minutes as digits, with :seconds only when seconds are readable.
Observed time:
1:24
